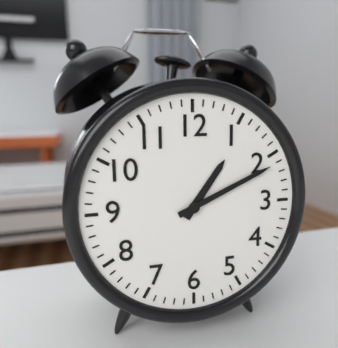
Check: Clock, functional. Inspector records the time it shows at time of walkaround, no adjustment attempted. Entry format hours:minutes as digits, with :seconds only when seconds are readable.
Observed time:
1:11
